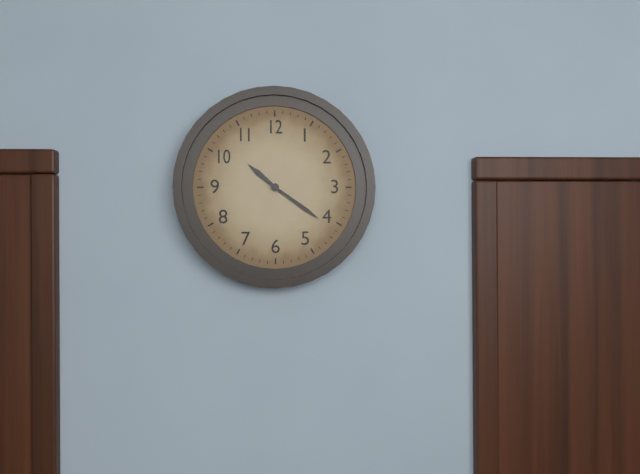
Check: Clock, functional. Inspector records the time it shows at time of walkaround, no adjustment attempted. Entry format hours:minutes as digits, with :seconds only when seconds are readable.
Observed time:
10:21
